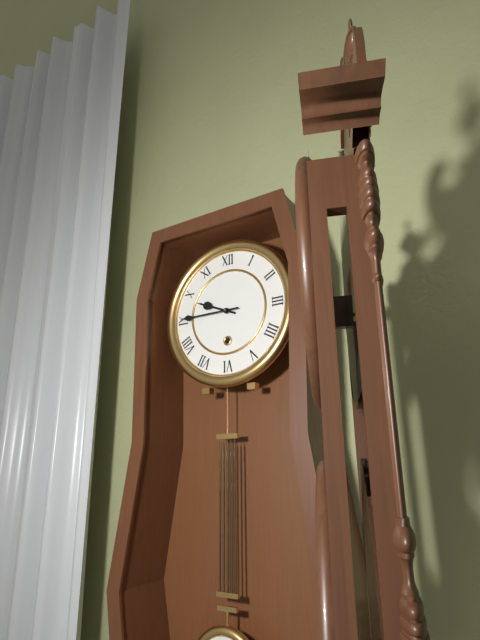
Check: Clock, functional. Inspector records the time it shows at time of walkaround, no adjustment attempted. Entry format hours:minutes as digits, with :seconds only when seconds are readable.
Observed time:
9:45
